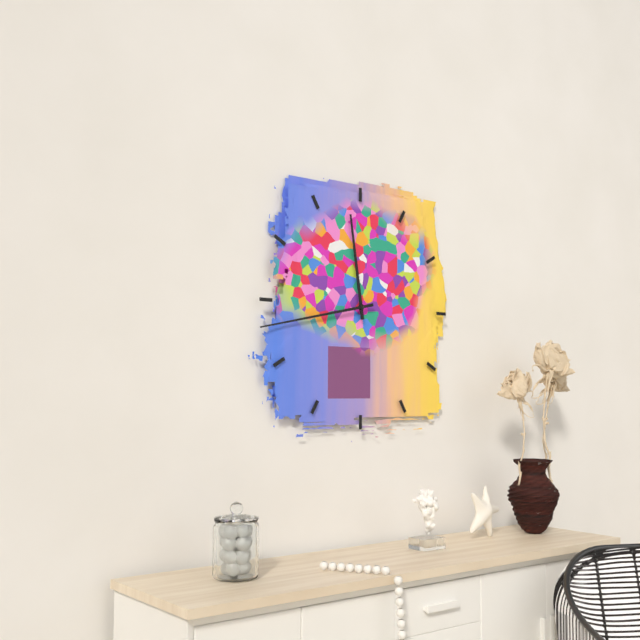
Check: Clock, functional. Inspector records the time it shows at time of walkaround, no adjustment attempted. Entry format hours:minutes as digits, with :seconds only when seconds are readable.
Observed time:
11:43
